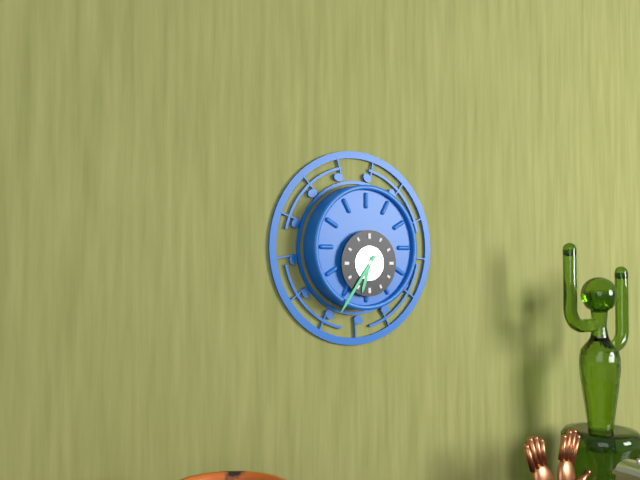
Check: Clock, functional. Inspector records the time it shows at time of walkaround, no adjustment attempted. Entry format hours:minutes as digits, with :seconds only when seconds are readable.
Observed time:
6:36
